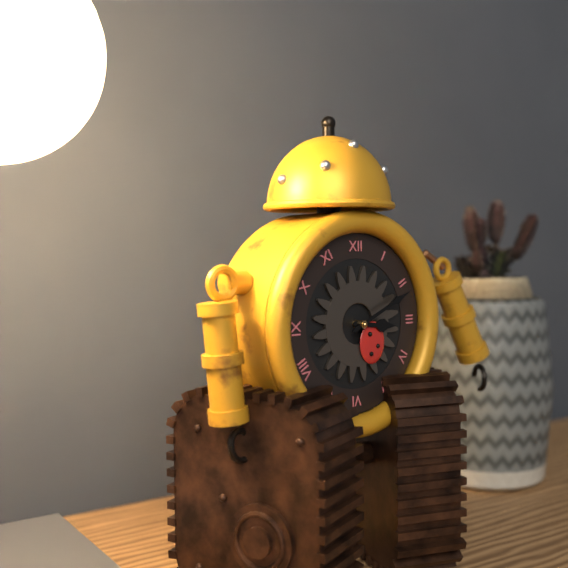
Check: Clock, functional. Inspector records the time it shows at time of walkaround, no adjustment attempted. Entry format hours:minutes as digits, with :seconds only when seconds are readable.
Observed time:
3:11
